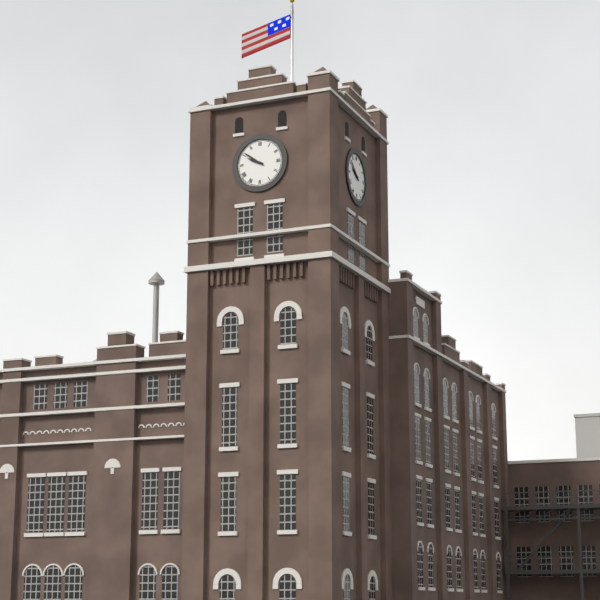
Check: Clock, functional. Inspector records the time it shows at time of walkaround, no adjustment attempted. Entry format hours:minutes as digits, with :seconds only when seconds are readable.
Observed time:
9:51
